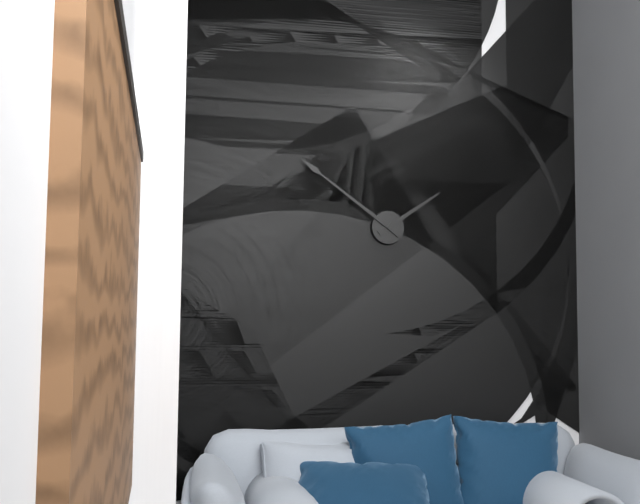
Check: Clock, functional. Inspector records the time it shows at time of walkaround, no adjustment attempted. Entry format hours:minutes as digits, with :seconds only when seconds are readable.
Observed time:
1:51
